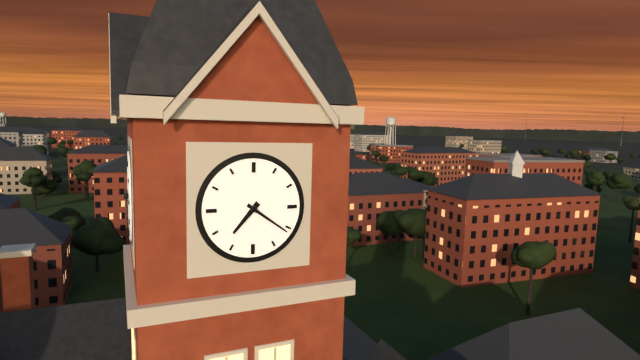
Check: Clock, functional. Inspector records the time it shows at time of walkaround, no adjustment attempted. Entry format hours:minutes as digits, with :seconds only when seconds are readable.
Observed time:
7:21
